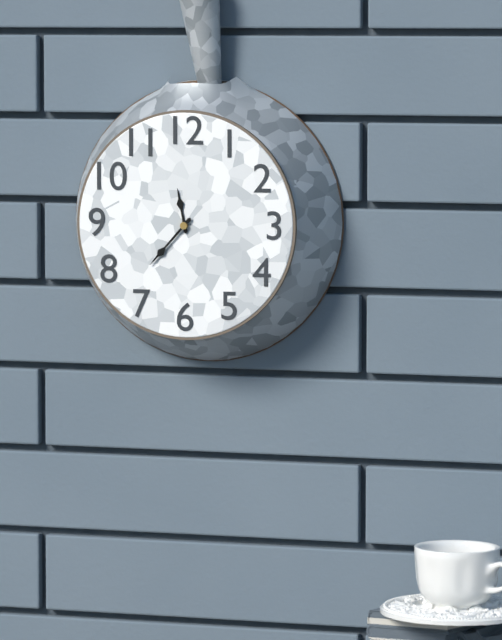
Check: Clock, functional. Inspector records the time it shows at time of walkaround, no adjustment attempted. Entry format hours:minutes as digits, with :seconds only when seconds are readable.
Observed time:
11:37
